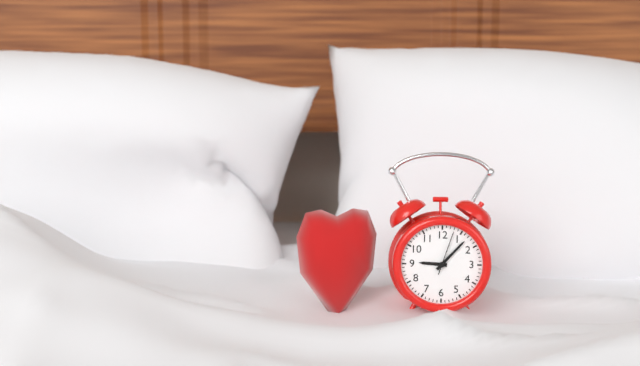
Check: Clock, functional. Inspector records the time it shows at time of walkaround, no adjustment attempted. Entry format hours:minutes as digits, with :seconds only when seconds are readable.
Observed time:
9:07
